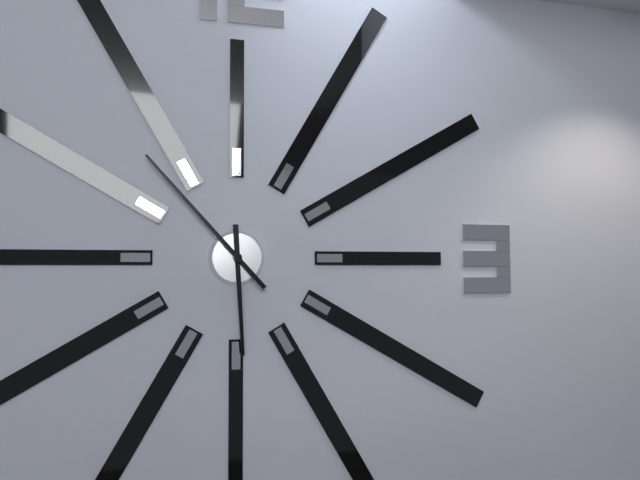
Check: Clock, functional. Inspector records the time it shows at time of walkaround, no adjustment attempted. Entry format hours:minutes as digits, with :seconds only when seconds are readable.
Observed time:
5:53
